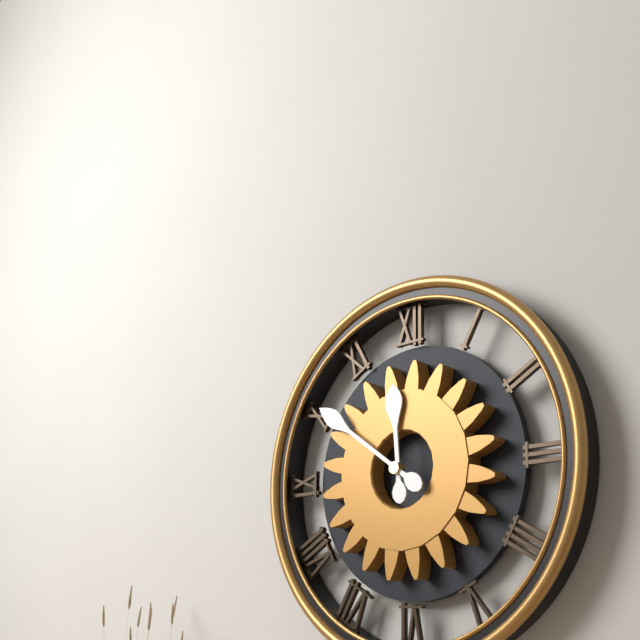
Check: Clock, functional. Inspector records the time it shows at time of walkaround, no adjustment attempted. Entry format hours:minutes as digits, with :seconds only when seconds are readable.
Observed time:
11:51
